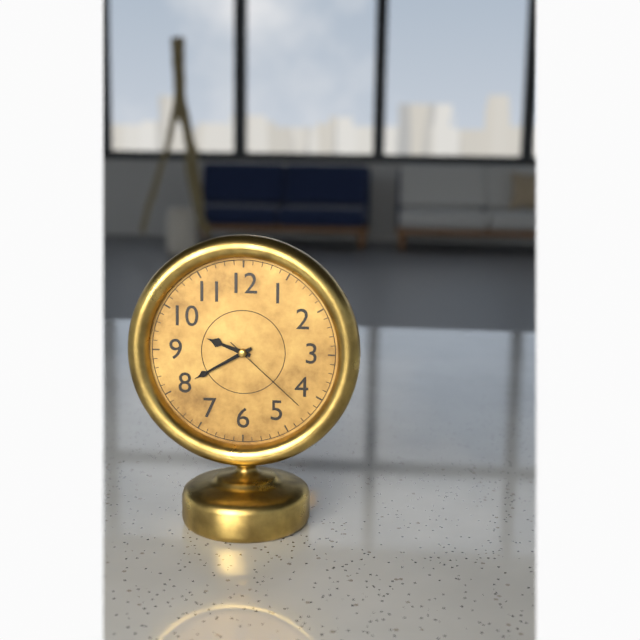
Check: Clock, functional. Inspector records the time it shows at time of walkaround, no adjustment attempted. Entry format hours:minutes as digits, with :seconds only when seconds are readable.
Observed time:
9:40:22
